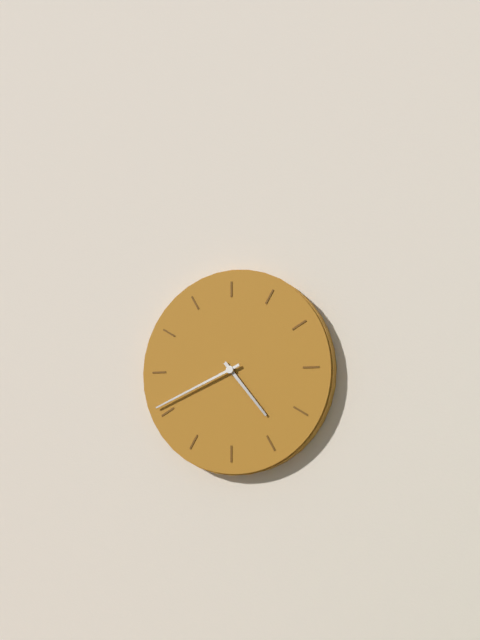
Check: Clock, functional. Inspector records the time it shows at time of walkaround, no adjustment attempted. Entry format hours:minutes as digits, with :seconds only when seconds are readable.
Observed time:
4:41
